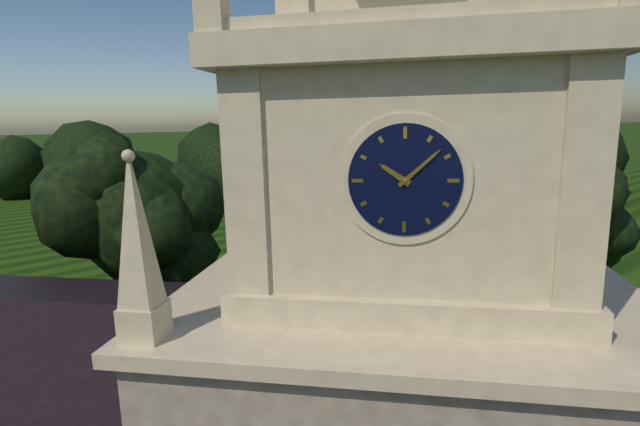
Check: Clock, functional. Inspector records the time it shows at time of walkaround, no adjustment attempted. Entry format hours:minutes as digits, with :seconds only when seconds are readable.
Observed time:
10:08
